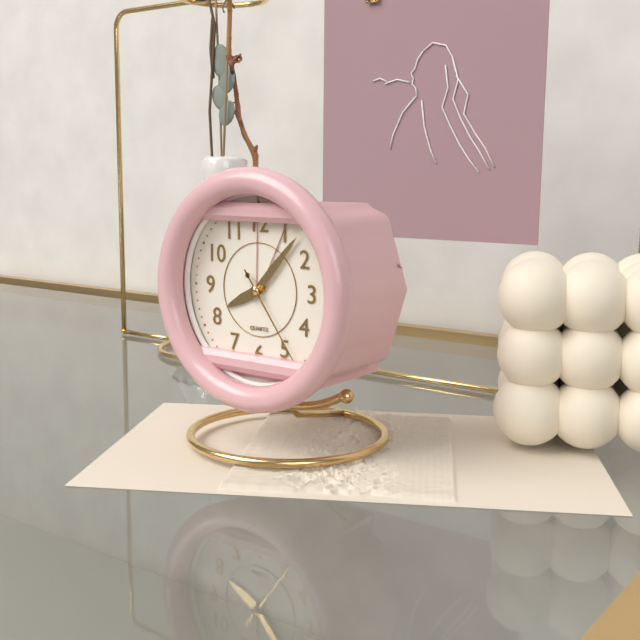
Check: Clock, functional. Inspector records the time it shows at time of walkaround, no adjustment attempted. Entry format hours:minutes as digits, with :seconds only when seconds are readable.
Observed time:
8:07:24
